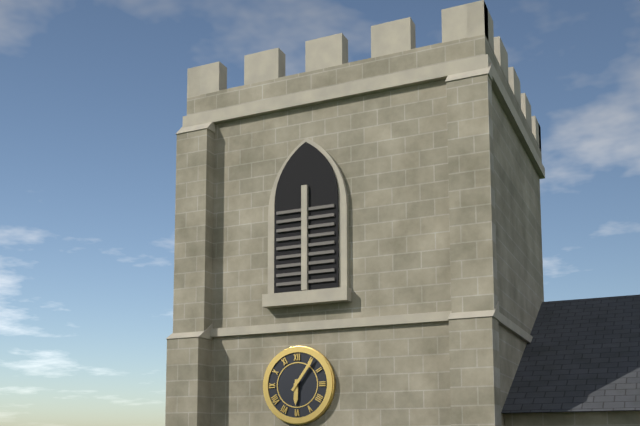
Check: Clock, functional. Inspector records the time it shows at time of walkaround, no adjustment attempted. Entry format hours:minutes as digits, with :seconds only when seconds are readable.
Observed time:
6:06
